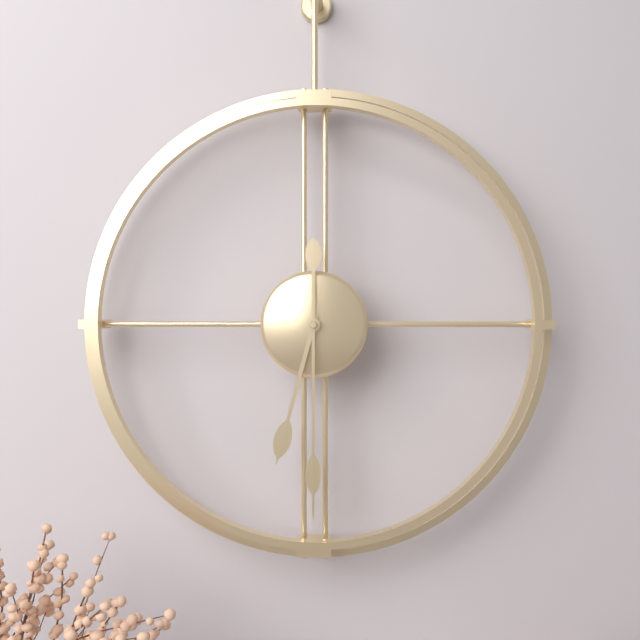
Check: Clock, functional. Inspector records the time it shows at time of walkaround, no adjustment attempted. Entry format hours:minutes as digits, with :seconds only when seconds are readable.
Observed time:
6:30
